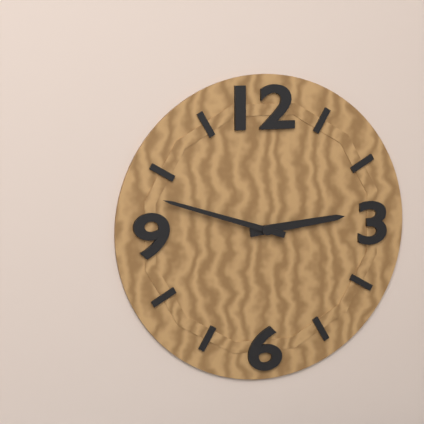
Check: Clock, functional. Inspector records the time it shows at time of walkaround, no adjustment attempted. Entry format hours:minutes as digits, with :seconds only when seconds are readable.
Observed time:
2:48
